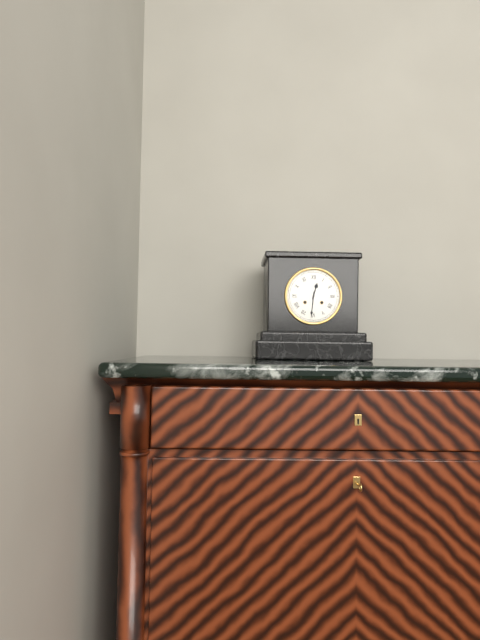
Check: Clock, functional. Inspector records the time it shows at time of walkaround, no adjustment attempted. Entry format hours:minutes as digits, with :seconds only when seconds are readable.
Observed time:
12:31
